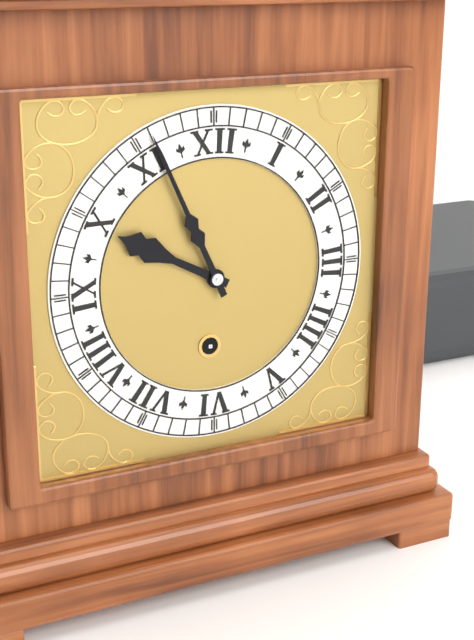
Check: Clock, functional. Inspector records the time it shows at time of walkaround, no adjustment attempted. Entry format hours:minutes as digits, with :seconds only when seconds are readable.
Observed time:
9:56
